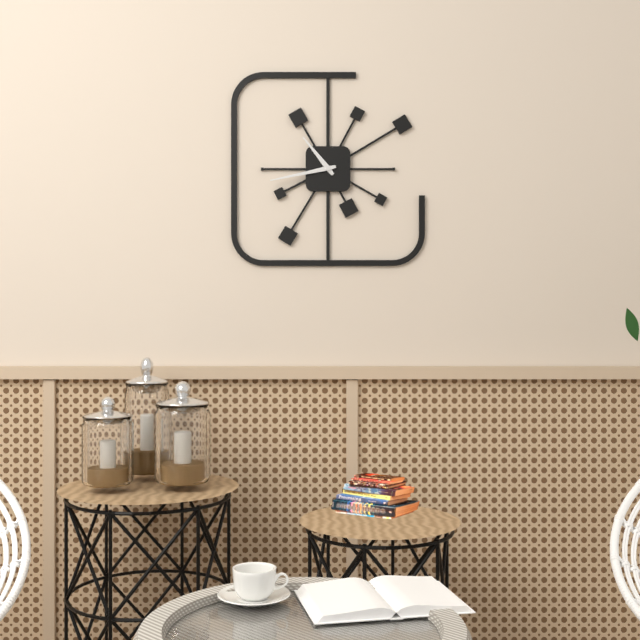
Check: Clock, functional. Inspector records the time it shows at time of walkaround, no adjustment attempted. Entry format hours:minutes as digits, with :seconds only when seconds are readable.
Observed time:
10:43
